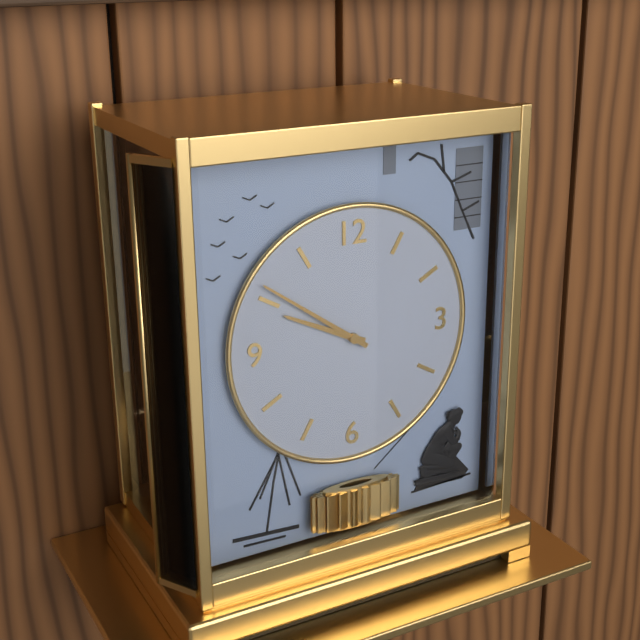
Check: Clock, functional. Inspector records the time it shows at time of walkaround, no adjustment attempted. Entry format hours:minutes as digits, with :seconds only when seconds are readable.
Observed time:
9:51
